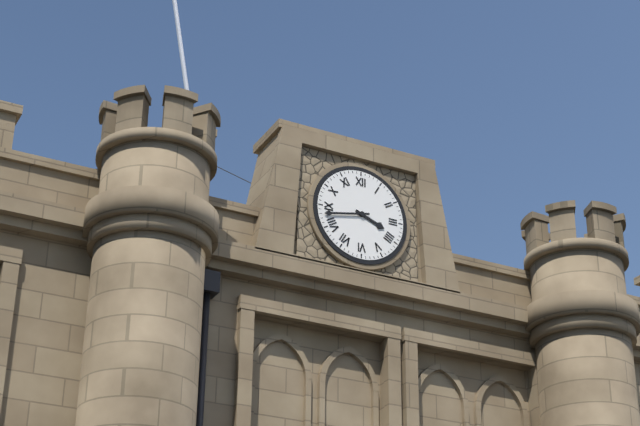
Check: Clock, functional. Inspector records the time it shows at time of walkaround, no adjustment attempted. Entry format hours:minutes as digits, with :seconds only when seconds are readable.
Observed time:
3:43
